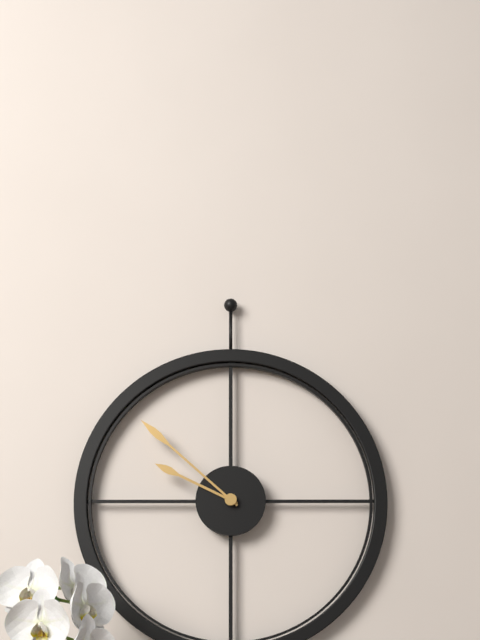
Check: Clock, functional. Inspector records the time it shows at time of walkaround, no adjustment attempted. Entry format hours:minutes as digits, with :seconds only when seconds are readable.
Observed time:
9:52
